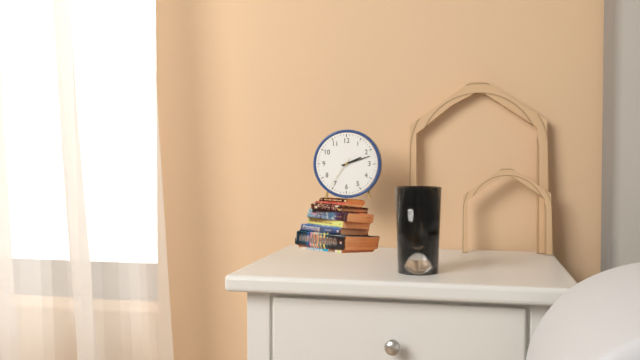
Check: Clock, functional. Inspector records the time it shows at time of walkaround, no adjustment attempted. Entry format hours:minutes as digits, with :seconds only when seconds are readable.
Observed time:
2:12
